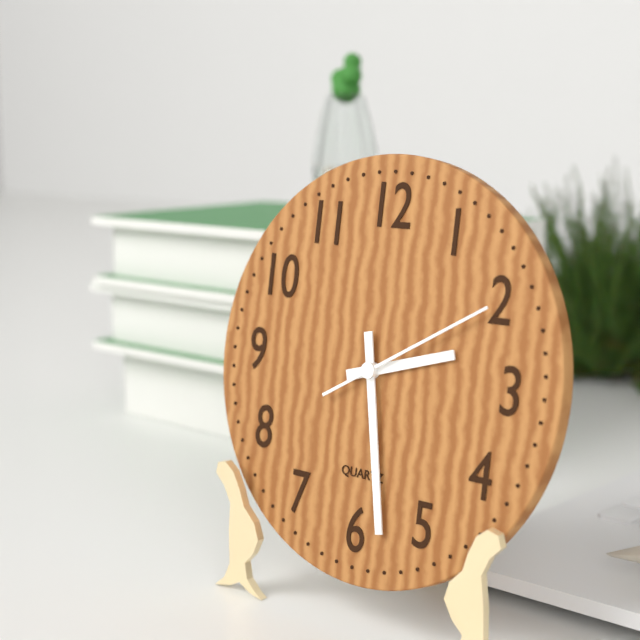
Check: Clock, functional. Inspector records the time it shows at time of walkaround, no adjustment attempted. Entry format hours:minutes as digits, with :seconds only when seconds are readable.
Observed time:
2:28:10
